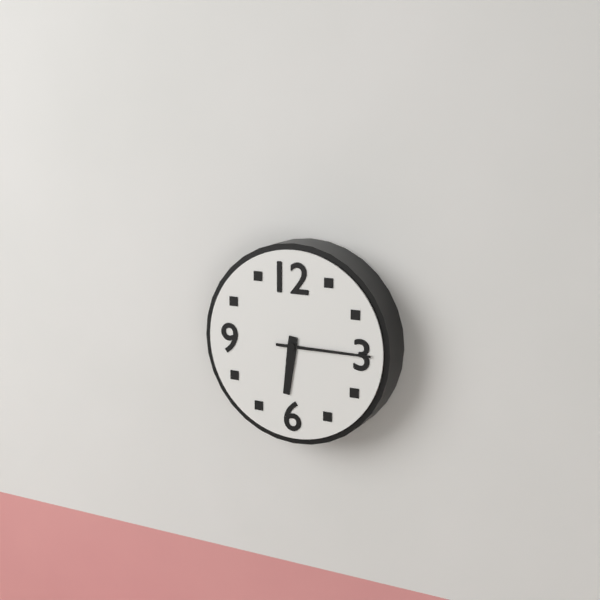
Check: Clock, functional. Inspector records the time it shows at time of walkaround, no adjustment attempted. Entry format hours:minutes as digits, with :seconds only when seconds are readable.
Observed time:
6:15
